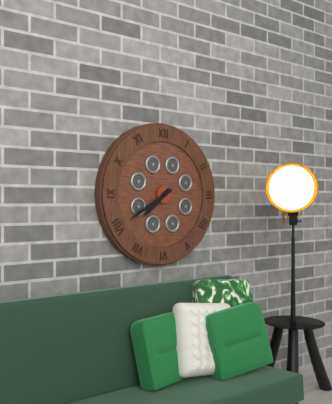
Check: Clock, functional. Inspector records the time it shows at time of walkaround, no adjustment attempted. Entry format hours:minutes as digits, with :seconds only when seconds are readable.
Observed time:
7:40
